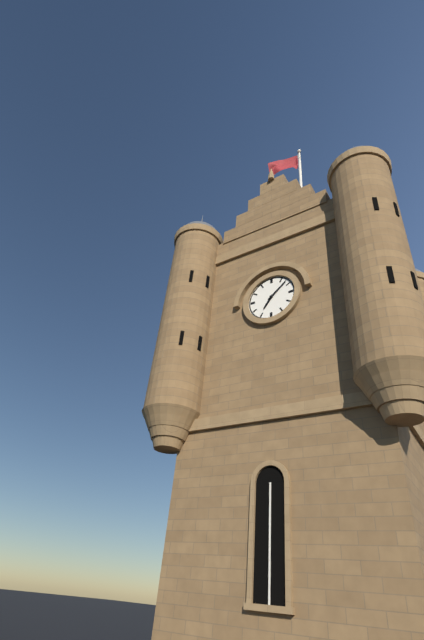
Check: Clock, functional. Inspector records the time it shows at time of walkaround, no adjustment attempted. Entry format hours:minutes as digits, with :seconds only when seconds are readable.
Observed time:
7:08
